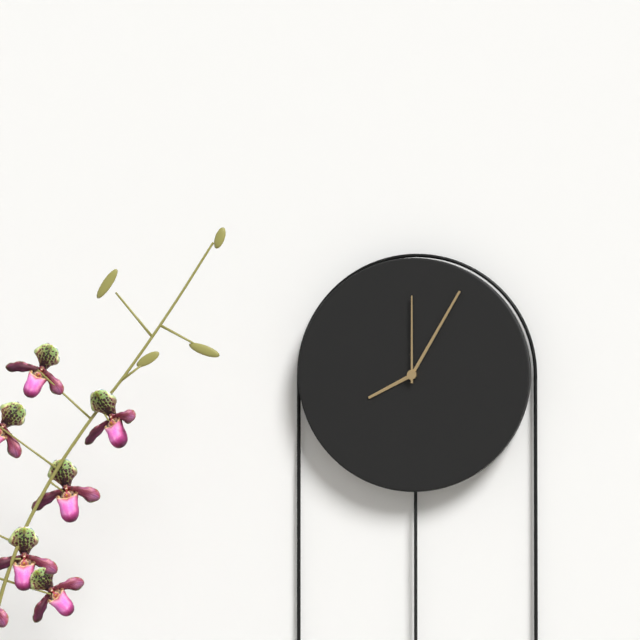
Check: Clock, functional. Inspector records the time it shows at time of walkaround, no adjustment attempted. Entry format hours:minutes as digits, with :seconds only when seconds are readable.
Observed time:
8:05:00
